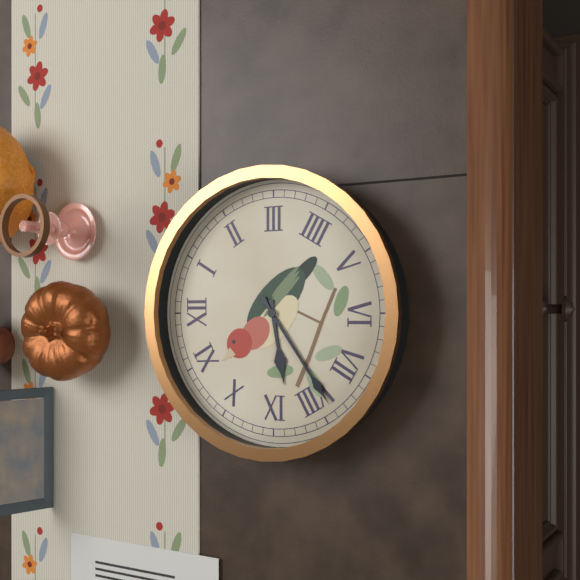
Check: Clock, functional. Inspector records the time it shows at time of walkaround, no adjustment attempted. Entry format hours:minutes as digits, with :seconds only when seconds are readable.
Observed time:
8:39
